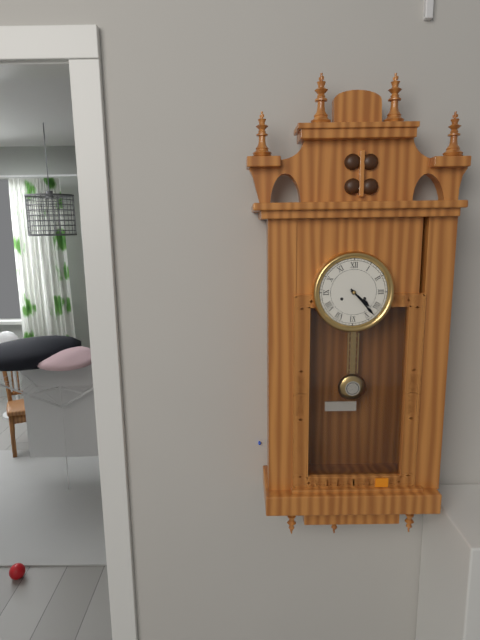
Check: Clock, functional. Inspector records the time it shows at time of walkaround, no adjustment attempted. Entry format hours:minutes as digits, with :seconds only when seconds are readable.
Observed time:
4:23
